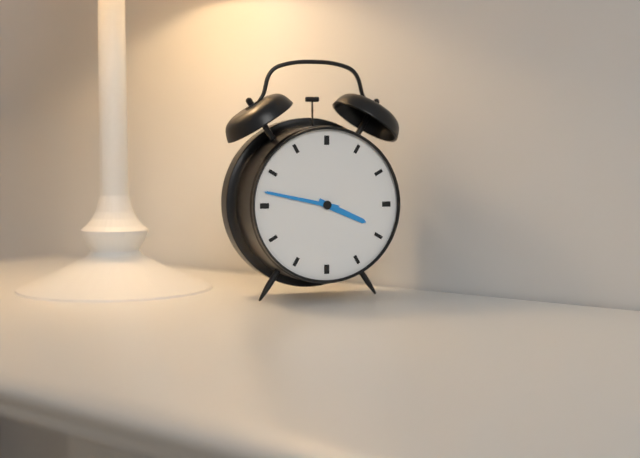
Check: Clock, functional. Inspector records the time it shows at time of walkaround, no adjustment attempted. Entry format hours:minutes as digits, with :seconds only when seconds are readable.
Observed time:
3:47
